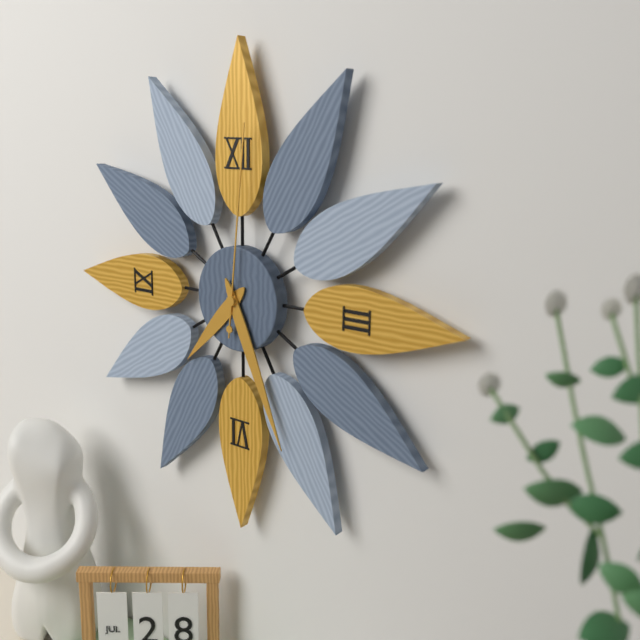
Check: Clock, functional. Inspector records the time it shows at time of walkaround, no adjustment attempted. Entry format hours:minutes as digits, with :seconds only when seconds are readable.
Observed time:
7:26:01
